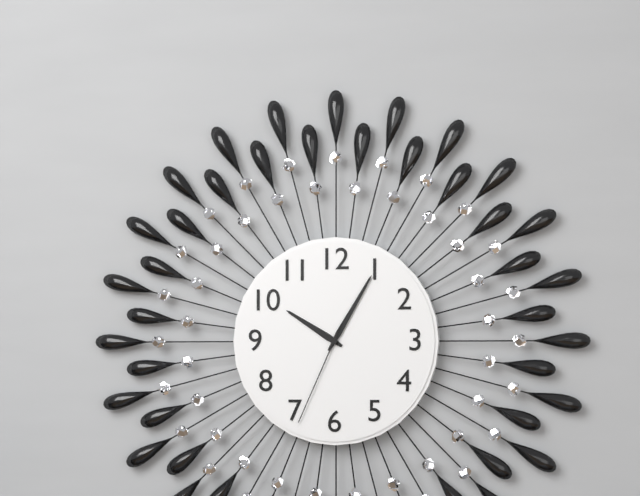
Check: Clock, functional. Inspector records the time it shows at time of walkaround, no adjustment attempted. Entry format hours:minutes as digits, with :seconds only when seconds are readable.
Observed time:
10:05:34
